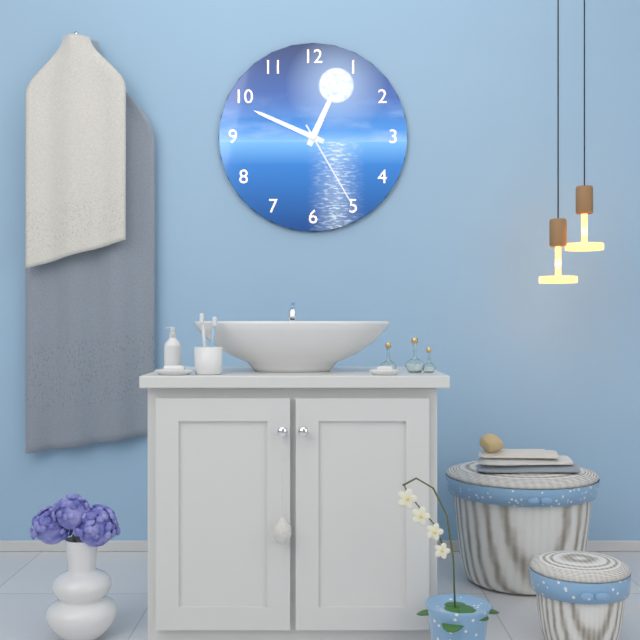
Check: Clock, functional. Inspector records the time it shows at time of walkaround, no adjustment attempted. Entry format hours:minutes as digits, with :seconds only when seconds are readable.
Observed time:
12:49:25
